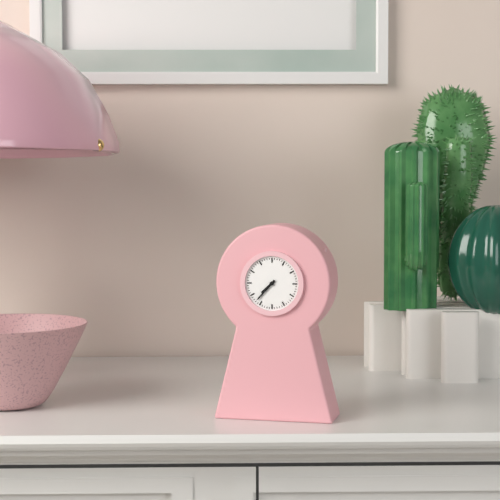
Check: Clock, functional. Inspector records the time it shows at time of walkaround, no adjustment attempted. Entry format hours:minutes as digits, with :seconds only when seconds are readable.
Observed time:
7:37
